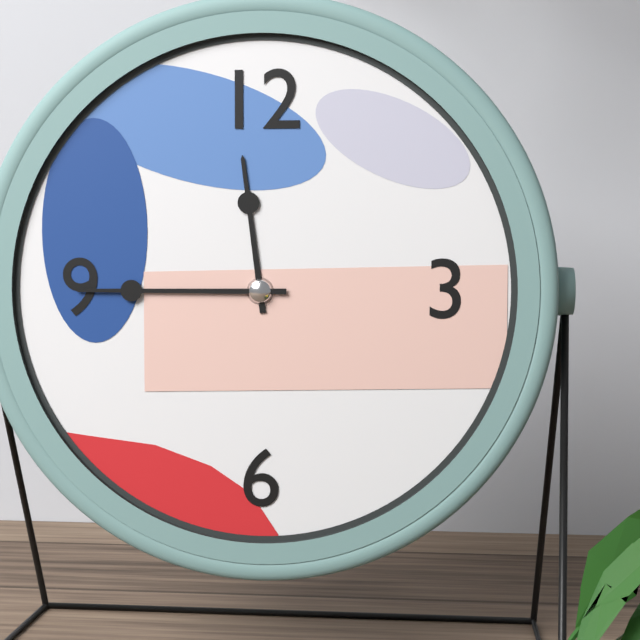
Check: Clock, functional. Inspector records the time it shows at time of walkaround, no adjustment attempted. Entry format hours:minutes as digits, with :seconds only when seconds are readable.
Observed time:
11:45
